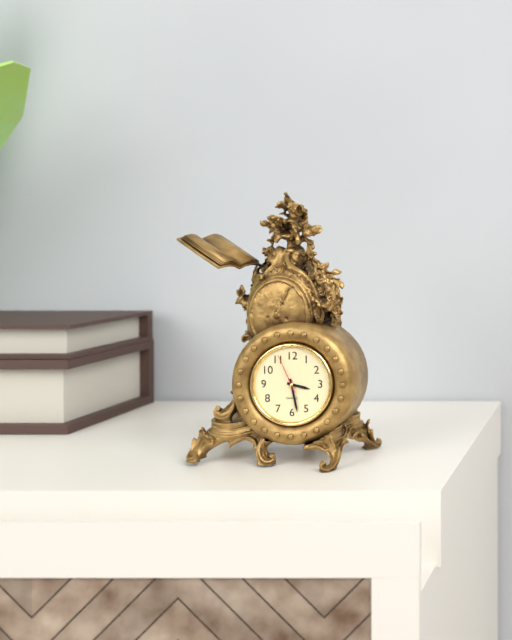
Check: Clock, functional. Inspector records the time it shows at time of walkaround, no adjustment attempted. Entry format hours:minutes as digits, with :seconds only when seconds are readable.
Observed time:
3:28
